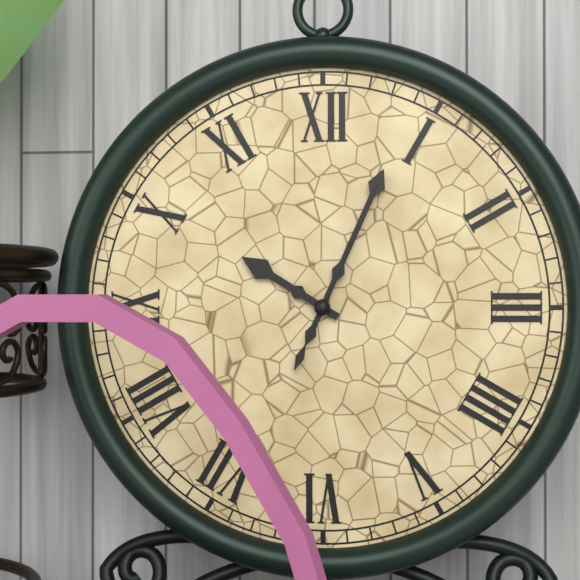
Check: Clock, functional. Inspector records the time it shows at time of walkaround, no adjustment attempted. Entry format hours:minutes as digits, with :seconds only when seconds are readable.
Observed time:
10:04:04
